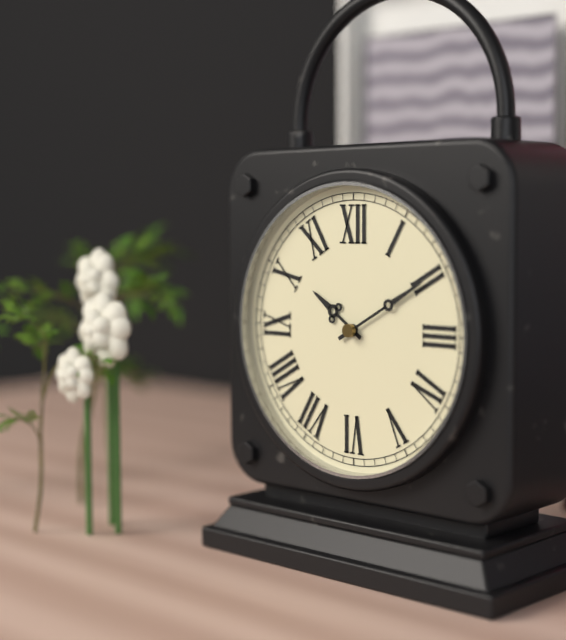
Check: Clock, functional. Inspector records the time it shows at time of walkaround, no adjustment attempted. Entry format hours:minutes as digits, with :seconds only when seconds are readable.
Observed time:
10:10
